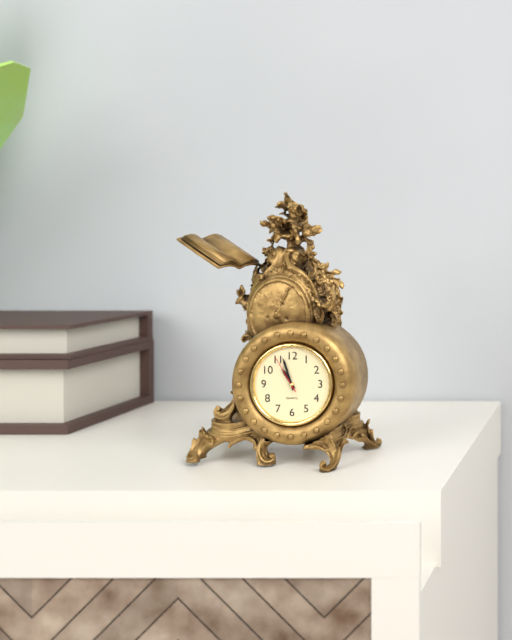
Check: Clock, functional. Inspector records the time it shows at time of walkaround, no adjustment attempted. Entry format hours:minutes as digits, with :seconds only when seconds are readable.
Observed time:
10:57
